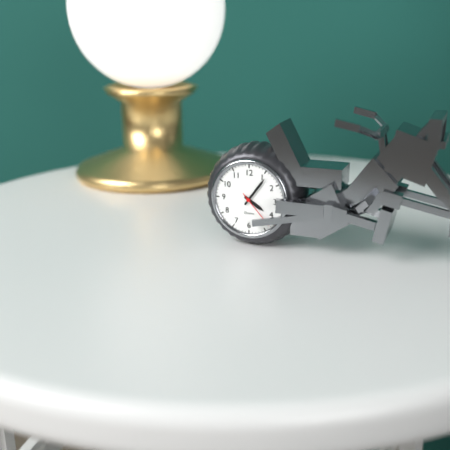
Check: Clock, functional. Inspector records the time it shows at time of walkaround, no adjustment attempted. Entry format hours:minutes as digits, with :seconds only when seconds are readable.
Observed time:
4:06
